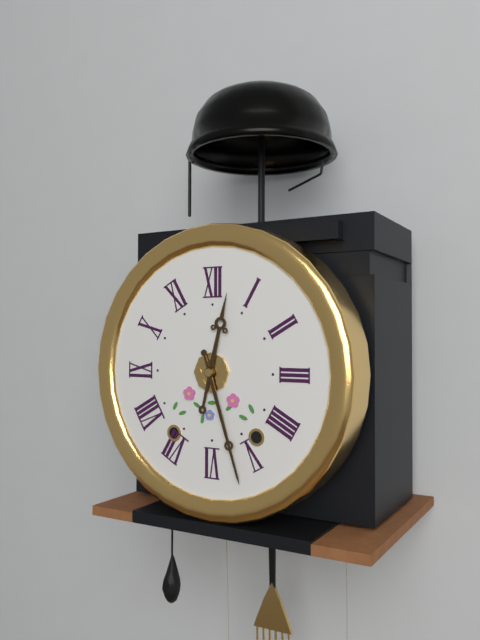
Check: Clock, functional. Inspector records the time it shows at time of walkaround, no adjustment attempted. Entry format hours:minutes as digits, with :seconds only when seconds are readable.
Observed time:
12:27
